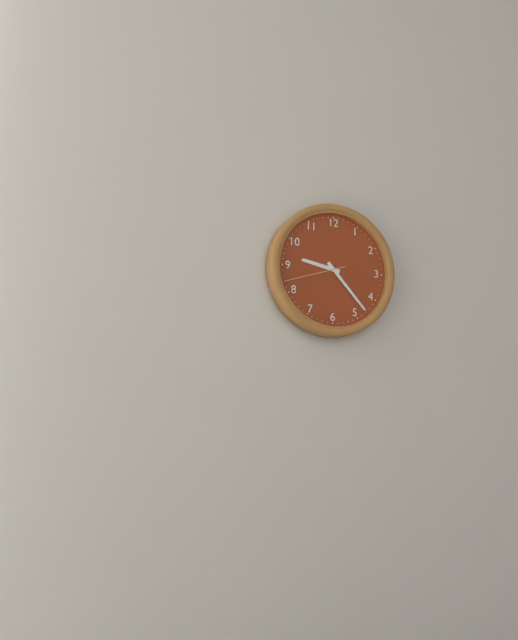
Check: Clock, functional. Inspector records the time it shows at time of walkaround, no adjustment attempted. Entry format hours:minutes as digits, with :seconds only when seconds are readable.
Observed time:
9:23:42
